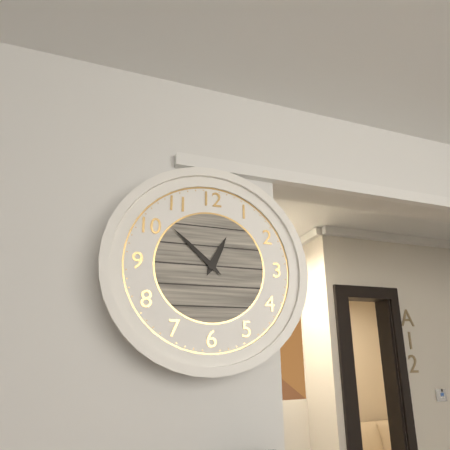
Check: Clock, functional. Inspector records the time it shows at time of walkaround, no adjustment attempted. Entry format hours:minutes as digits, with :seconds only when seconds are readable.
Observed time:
12:52
